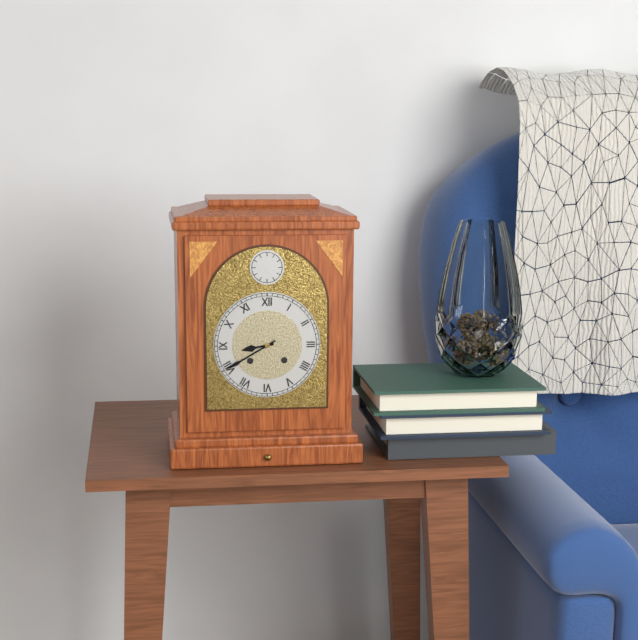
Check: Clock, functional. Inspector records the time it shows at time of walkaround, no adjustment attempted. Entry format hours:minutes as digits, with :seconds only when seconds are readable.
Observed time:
8:40
